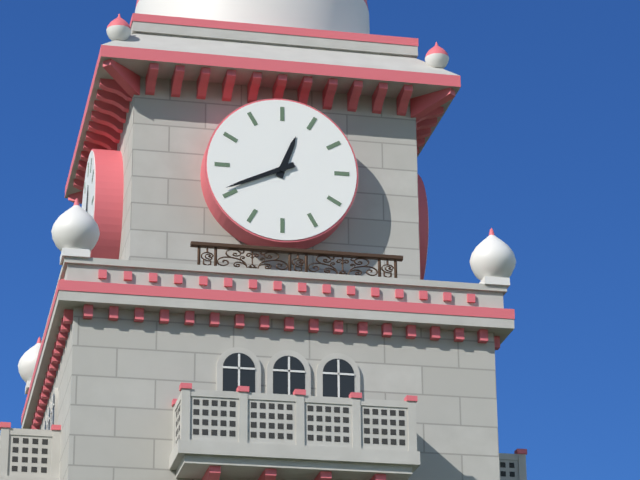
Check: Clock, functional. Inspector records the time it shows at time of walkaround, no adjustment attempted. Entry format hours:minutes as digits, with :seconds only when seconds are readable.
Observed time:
12:41
